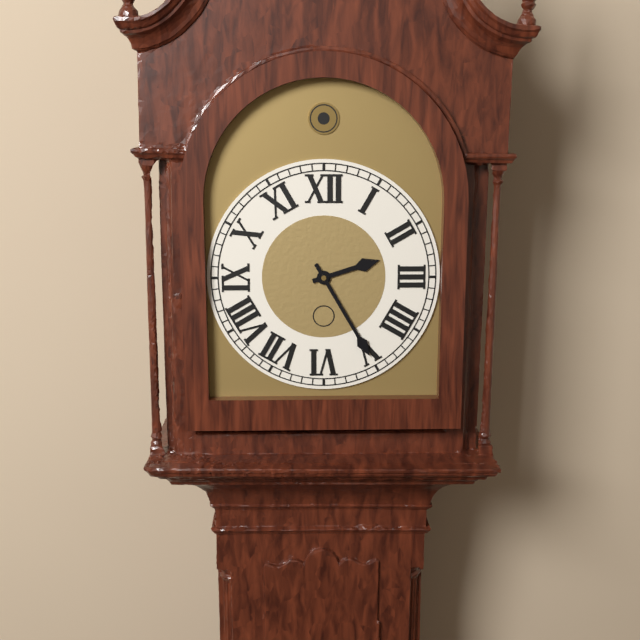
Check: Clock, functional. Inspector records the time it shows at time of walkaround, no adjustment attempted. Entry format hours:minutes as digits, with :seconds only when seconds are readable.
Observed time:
2:25
